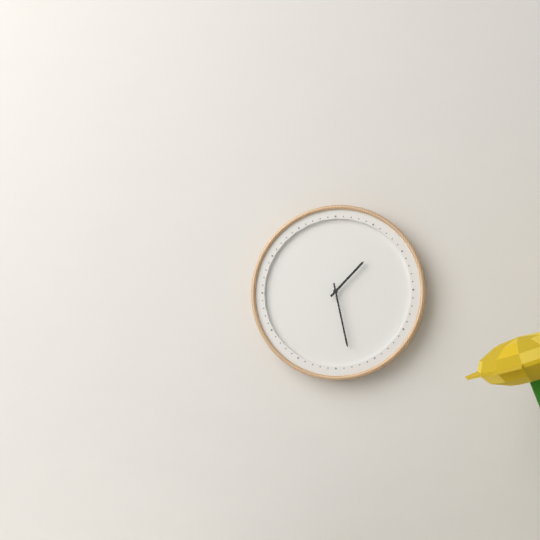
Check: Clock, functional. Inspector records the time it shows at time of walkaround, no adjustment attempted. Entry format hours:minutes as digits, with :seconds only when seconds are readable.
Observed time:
1:28
